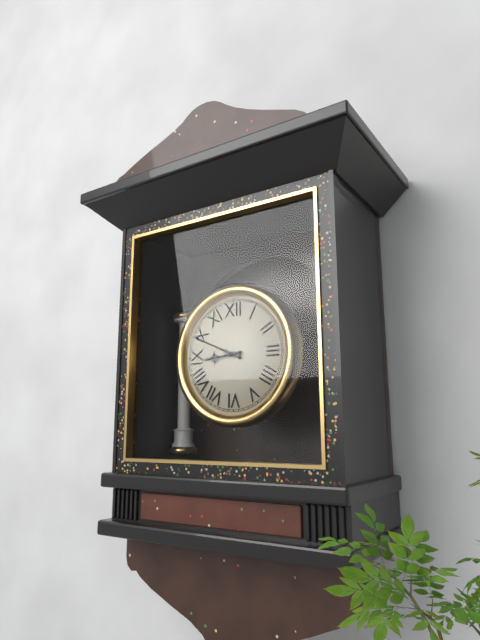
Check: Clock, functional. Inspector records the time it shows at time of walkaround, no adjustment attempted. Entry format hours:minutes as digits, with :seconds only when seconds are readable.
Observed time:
8:49
